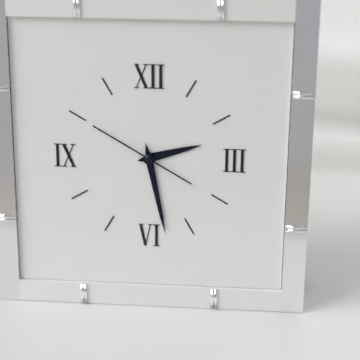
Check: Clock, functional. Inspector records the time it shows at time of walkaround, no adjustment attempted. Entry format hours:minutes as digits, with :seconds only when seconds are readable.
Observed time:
2:28:50
